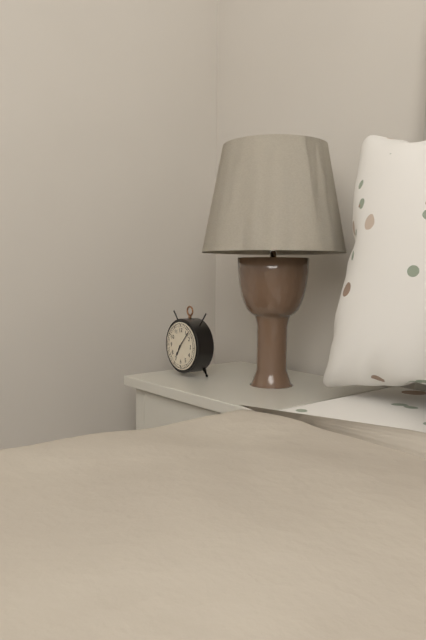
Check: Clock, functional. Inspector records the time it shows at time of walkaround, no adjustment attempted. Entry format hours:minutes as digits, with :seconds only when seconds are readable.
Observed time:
7:07
